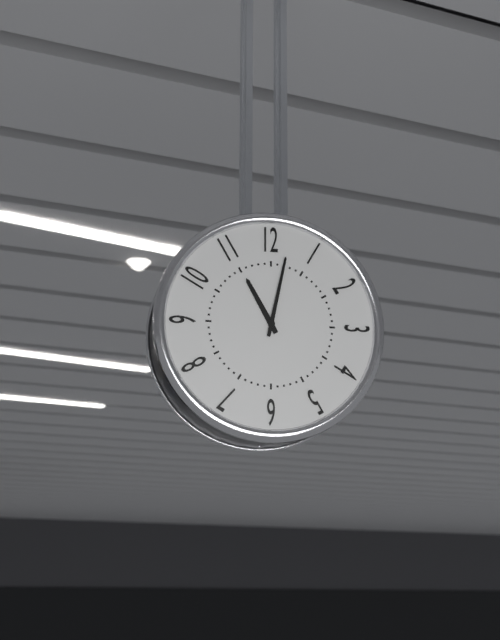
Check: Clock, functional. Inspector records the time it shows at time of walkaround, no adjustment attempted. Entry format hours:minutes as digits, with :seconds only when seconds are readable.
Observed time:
11:02
